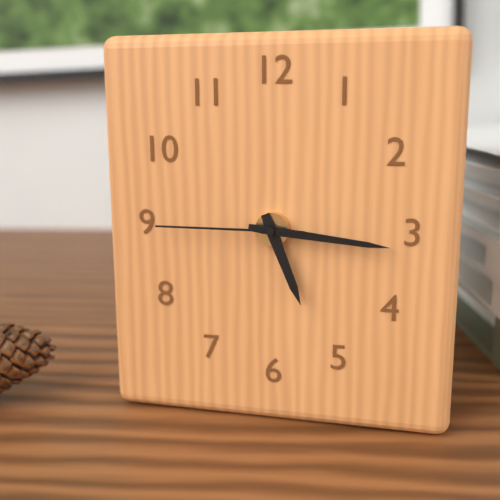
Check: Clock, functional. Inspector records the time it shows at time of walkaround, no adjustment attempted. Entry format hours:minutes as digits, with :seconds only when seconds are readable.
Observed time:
5:16:45
